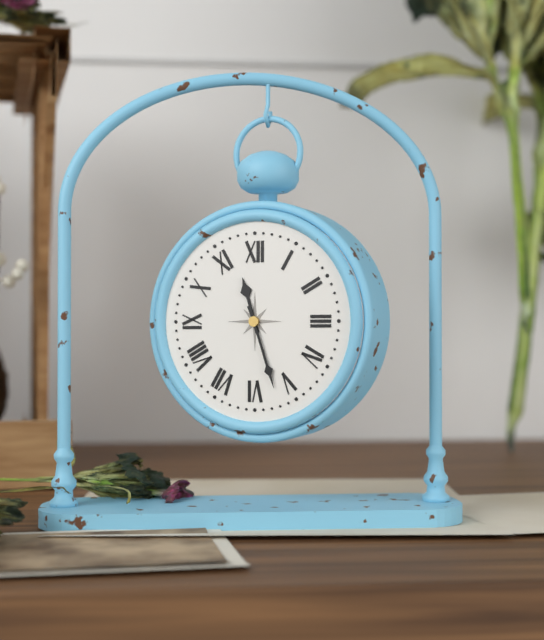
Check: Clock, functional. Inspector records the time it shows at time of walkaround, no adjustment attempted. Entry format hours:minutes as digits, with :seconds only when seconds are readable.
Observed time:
11:27
